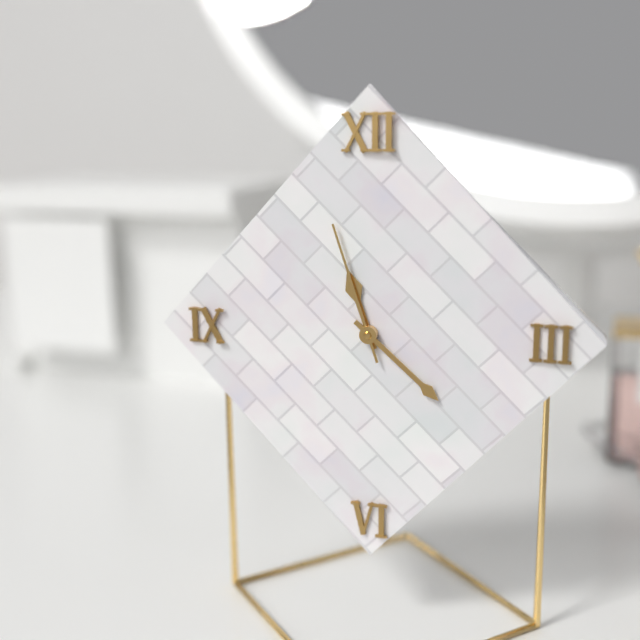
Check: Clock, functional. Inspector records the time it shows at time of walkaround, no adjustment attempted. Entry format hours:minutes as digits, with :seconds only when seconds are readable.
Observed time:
11:22:57
